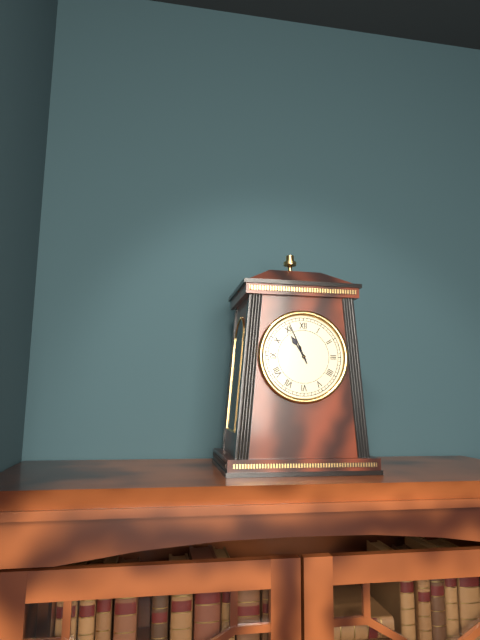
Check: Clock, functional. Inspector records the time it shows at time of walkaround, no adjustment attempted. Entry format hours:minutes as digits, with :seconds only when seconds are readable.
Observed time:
10:56
